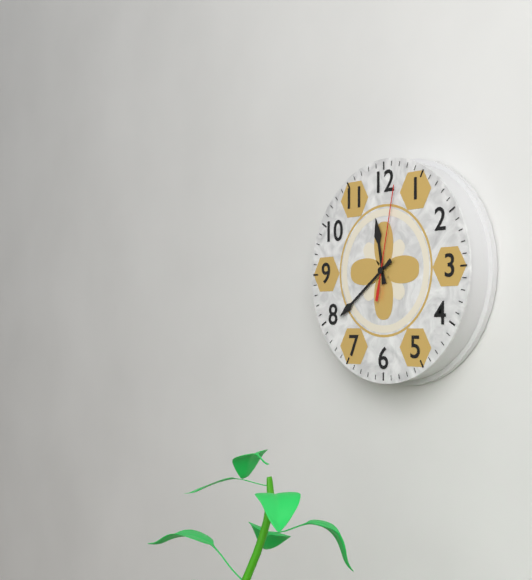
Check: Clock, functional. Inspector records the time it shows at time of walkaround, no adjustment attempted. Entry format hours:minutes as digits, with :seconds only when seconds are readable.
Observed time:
11:39:02
